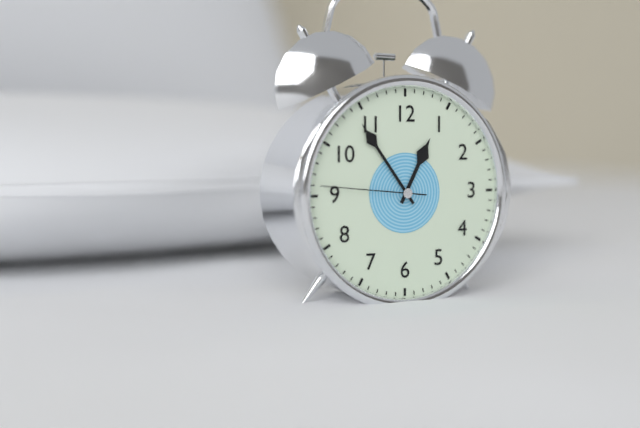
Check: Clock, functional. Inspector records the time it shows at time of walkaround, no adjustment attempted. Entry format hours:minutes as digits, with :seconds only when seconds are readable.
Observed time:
12:54:46
